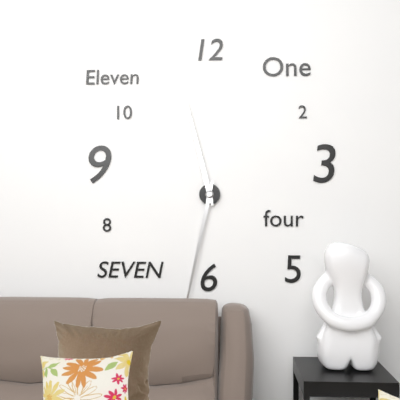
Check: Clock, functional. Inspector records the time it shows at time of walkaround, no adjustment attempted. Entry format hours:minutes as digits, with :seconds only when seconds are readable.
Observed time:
11:32
